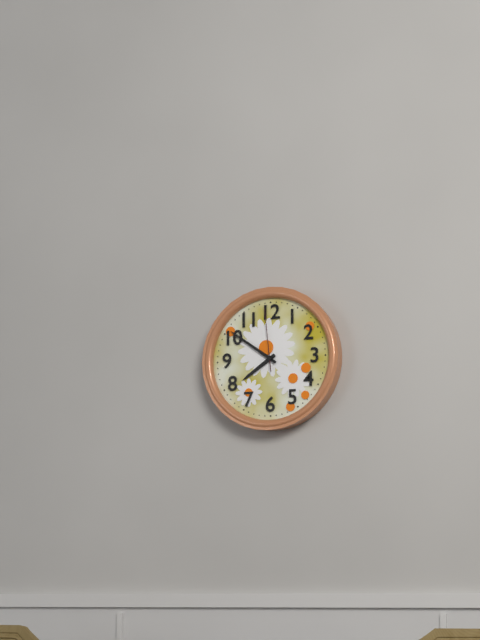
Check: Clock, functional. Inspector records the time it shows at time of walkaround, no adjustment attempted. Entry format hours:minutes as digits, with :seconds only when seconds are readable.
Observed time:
7:51:59
